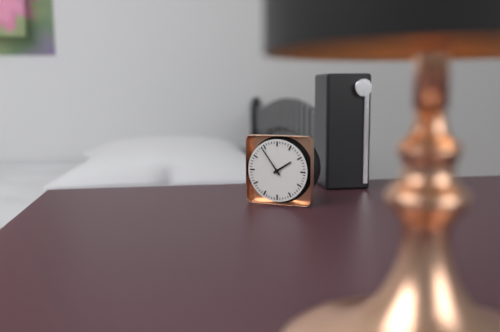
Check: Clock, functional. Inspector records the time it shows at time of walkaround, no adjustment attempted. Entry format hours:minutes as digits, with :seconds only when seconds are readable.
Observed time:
1:54
